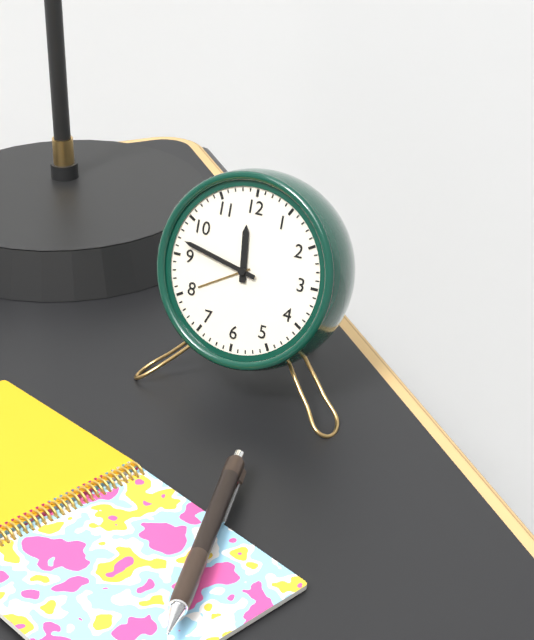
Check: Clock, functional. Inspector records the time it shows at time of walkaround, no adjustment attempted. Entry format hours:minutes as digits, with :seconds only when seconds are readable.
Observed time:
11:47
